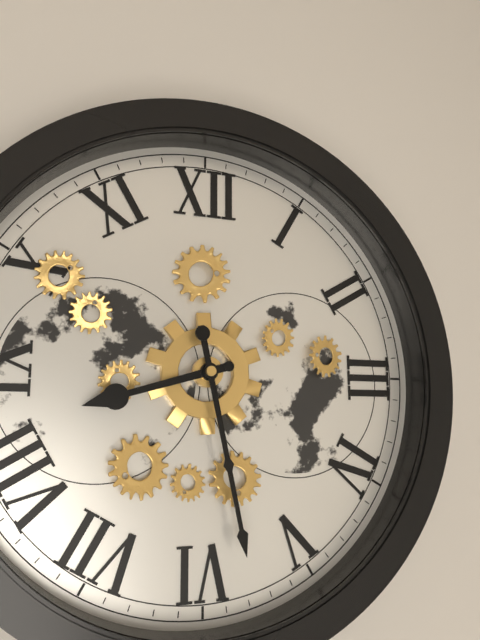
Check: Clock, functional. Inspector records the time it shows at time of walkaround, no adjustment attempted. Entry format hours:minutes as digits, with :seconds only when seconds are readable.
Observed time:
8:28
